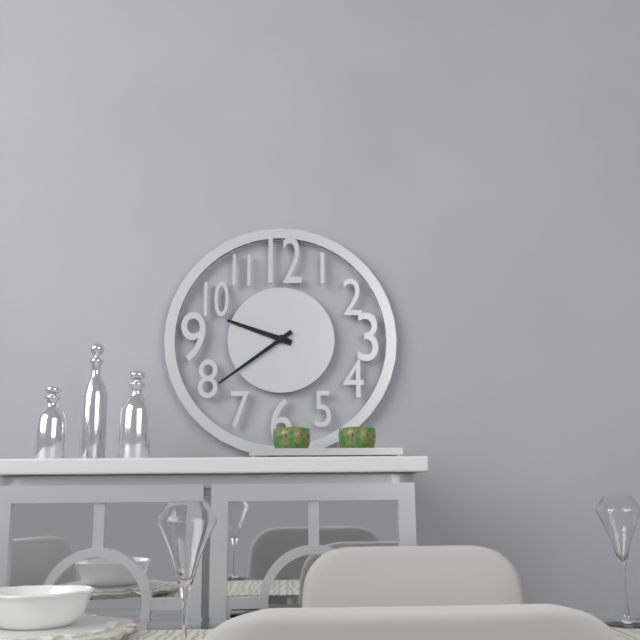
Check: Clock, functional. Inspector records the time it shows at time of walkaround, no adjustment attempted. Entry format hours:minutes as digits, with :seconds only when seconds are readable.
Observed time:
9:39
